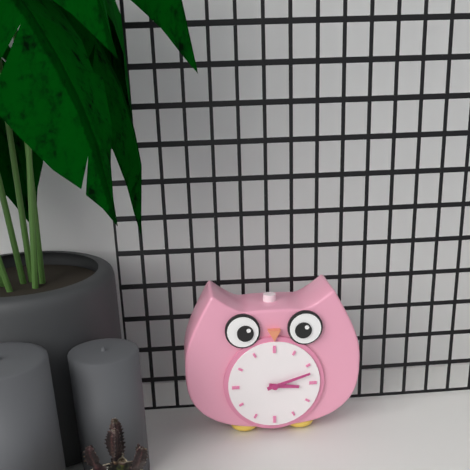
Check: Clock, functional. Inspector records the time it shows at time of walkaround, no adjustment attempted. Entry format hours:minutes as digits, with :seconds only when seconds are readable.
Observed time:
3:12
